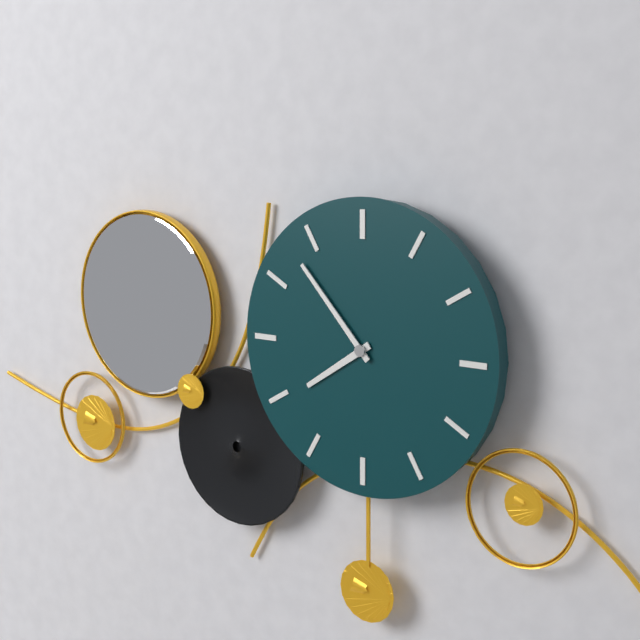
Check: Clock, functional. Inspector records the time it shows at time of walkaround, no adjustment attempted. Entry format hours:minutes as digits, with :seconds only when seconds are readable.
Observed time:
7:53
